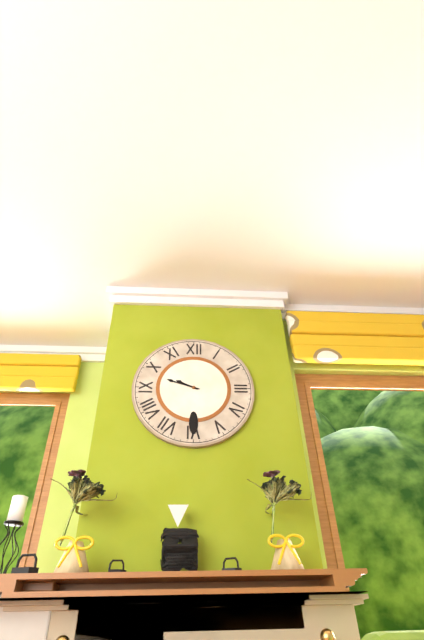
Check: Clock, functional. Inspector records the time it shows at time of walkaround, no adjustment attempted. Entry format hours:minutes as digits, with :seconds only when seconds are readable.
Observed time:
9:48
